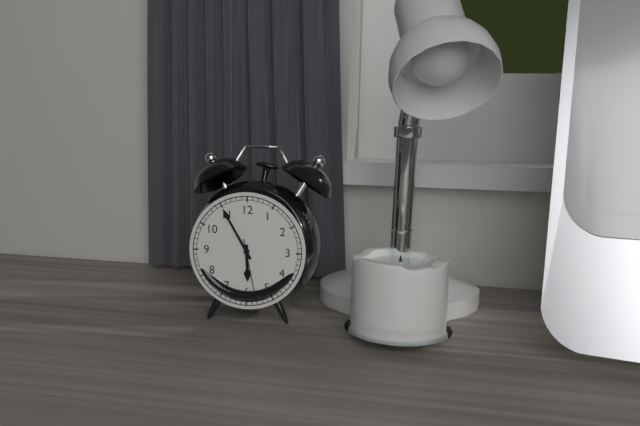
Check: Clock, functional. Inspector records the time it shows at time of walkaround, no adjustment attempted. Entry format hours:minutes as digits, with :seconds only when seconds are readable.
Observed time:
5:55:28
